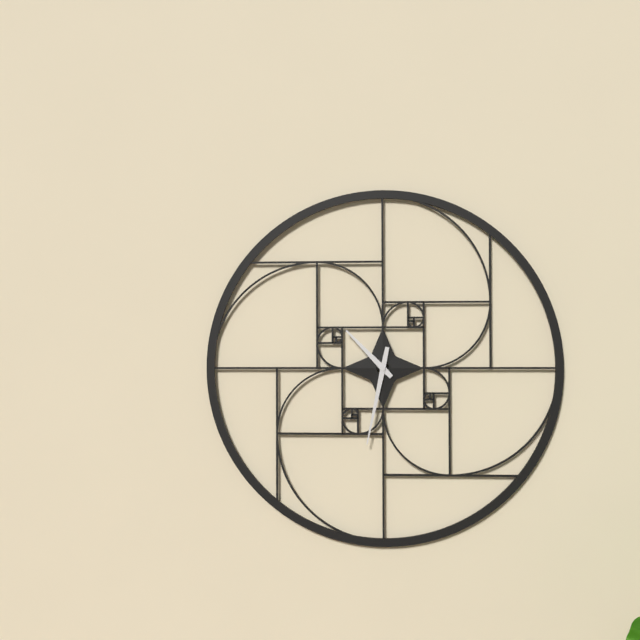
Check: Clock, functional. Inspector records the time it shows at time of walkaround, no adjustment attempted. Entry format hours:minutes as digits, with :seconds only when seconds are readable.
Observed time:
10:32
